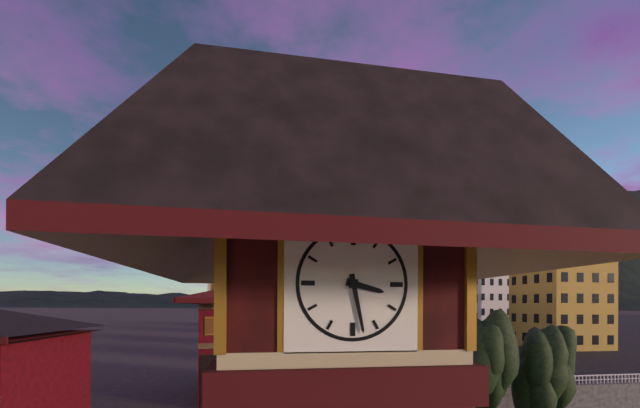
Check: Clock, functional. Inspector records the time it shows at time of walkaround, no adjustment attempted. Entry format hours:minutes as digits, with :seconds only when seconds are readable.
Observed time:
3:28
